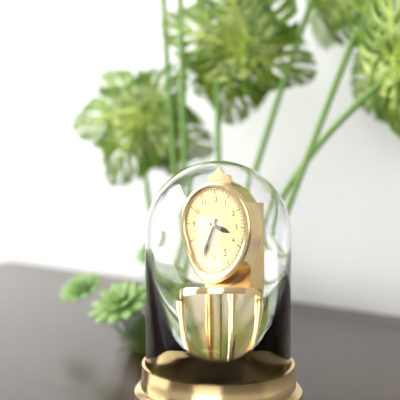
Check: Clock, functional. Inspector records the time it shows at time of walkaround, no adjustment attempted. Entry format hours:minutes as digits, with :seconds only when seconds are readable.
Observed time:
3:34
